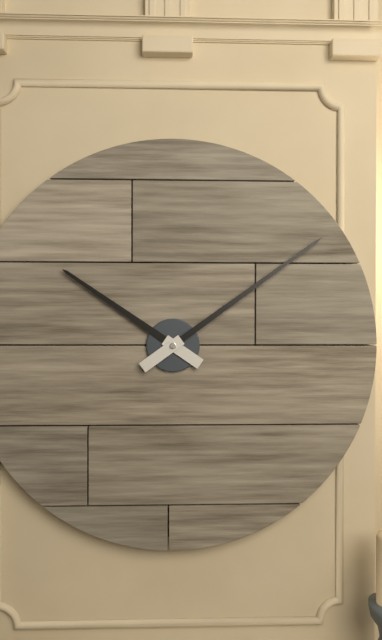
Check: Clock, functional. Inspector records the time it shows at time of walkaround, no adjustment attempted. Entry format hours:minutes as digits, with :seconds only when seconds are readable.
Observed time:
10:09
